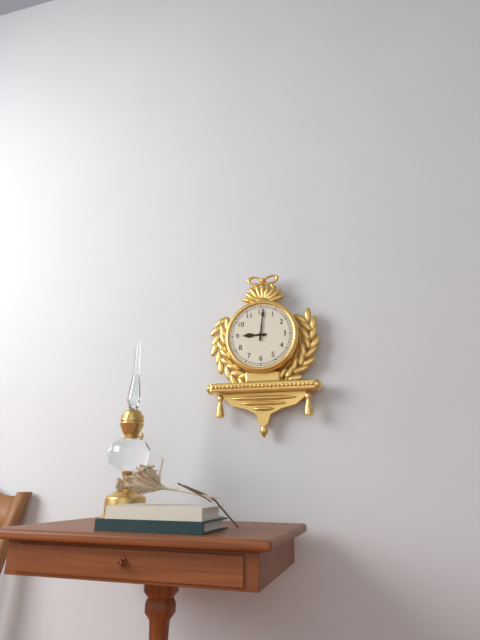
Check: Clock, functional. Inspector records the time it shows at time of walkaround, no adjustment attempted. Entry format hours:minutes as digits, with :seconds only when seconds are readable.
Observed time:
9:01
